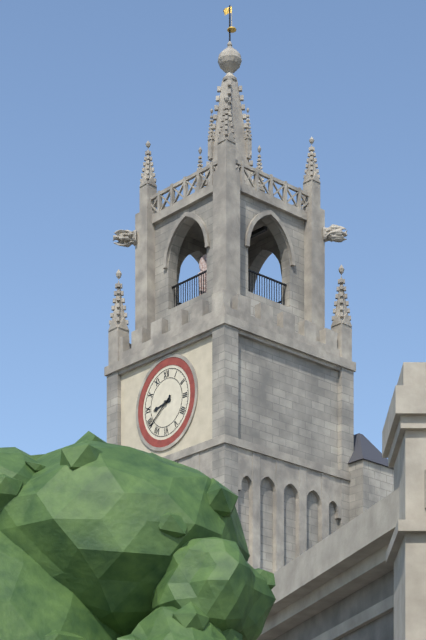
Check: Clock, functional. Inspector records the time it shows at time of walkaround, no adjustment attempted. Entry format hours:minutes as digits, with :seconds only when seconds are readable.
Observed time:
8:39
